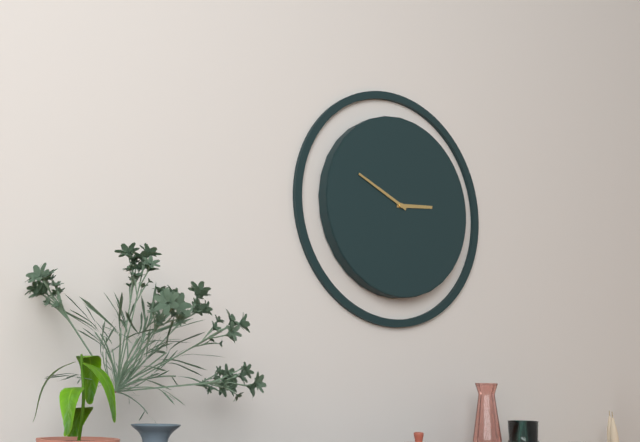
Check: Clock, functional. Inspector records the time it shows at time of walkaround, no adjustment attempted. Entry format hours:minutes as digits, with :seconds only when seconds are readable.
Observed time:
2:49
